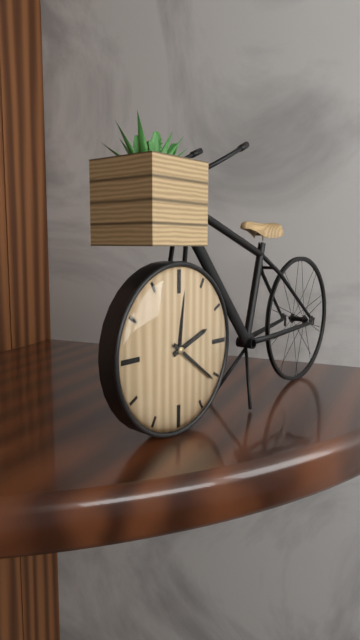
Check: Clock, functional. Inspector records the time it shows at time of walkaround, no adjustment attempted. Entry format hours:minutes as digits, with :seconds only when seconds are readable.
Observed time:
2:21
